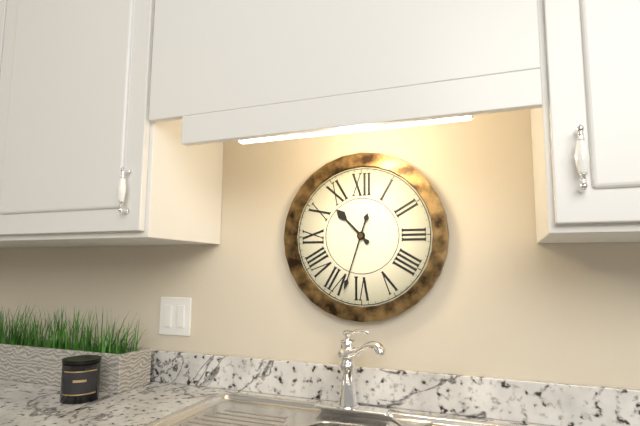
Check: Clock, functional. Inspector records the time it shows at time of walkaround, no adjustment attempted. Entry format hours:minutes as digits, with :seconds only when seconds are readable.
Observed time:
10:33
